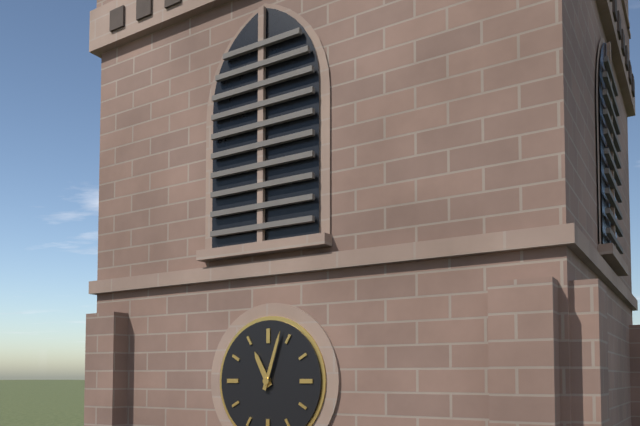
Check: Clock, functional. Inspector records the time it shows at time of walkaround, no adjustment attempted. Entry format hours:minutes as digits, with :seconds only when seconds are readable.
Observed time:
11:03
